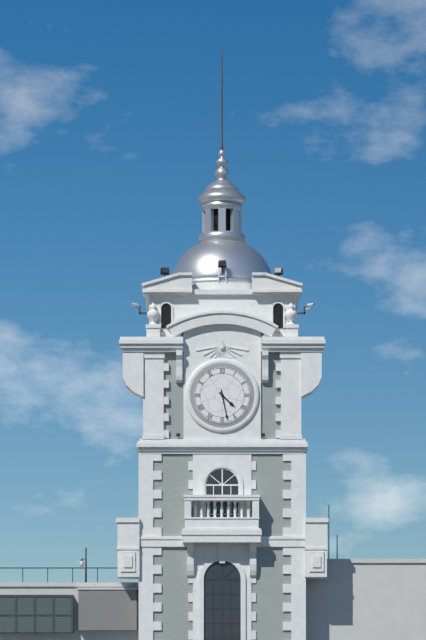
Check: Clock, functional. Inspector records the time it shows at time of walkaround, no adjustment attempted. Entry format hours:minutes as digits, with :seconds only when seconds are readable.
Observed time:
4:28
